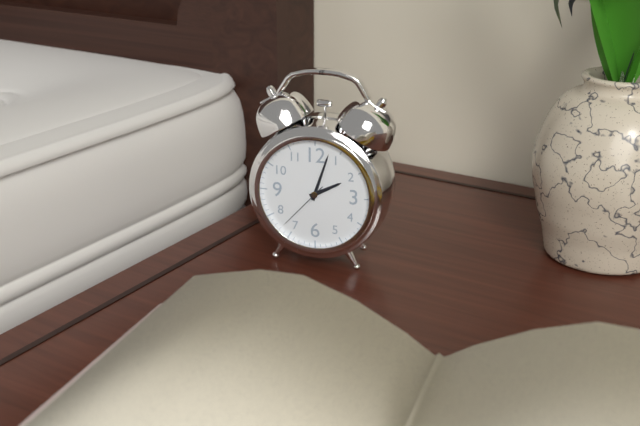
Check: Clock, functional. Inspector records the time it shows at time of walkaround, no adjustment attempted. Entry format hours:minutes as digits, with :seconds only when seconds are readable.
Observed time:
2:03:37
